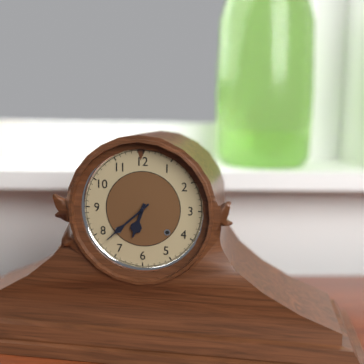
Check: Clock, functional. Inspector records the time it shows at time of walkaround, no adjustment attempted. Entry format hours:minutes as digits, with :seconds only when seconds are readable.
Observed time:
6:38
